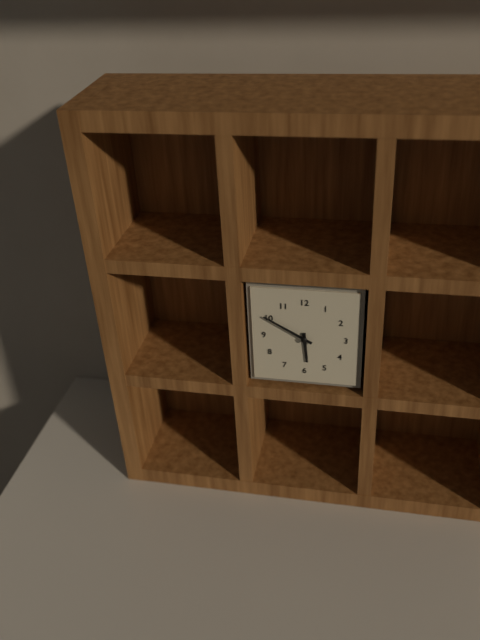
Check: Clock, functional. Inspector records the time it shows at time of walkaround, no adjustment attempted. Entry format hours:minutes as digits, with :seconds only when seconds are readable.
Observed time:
5:50
